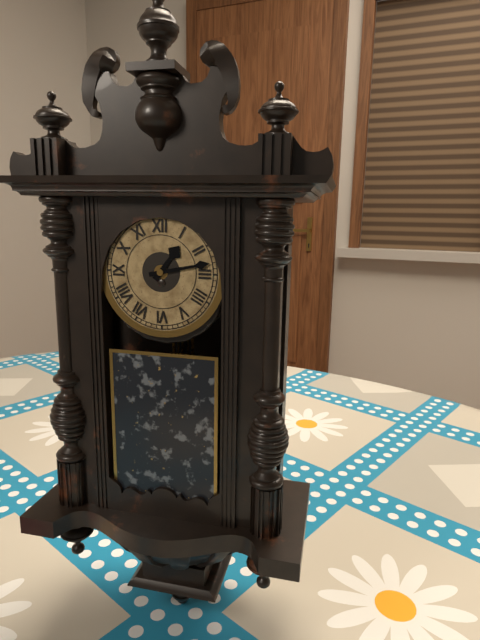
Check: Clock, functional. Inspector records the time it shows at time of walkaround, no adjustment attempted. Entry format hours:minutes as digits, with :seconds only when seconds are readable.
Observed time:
1:13
